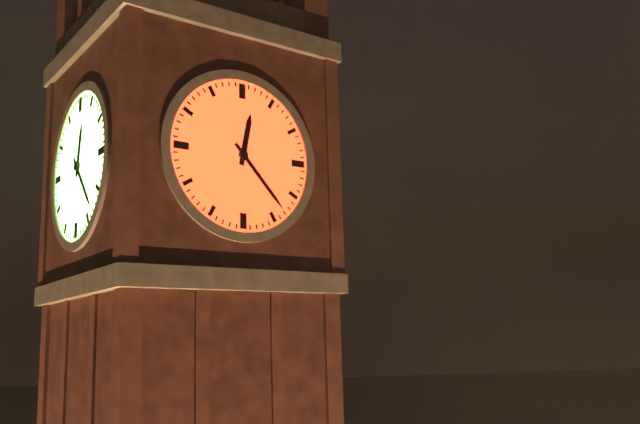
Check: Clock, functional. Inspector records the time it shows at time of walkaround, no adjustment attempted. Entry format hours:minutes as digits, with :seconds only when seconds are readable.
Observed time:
12:23
